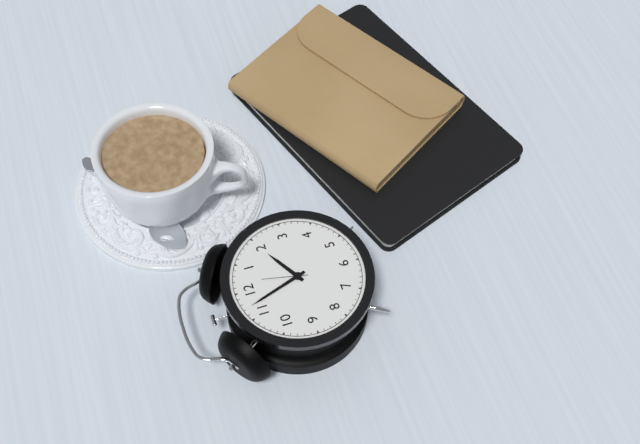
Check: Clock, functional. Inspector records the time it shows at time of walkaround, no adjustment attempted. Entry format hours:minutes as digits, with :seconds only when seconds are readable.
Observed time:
1:57
